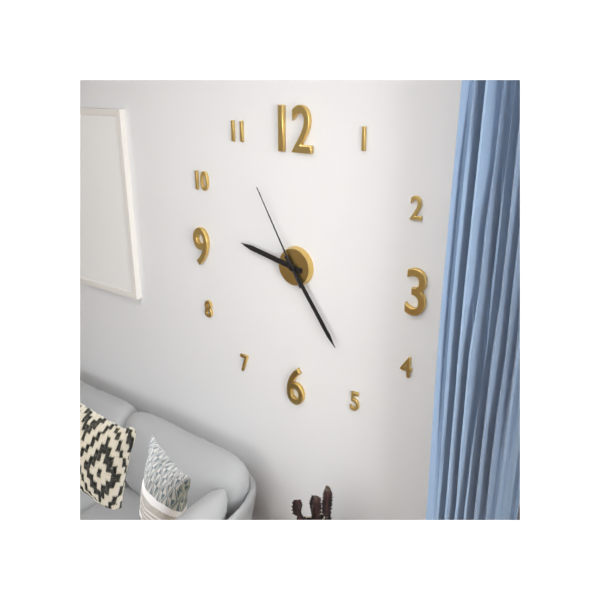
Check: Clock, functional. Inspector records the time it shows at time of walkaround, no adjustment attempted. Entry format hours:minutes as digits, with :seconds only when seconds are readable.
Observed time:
9:24:55
